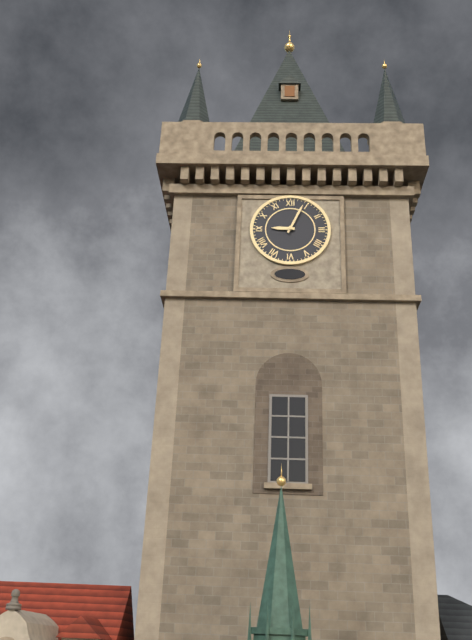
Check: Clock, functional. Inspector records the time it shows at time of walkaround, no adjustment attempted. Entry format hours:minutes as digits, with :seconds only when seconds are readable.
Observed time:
9:04
